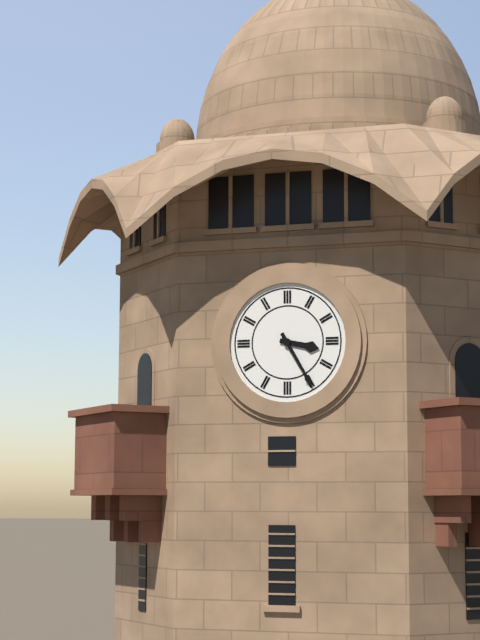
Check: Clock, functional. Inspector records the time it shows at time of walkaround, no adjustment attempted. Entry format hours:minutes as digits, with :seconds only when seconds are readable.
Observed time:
3:25
